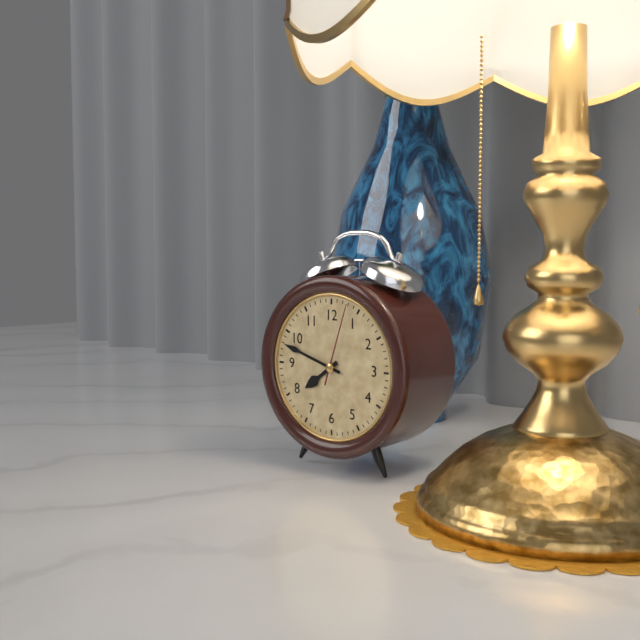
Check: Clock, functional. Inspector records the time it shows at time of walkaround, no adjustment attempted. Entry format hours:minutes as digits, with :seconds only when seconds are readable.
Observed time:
7:48:03
